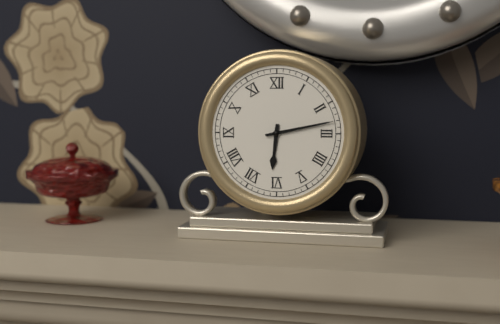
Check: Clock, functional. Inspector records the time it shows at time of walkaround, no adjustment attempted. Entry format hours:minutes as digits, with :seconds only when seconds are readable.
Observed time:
6:13
